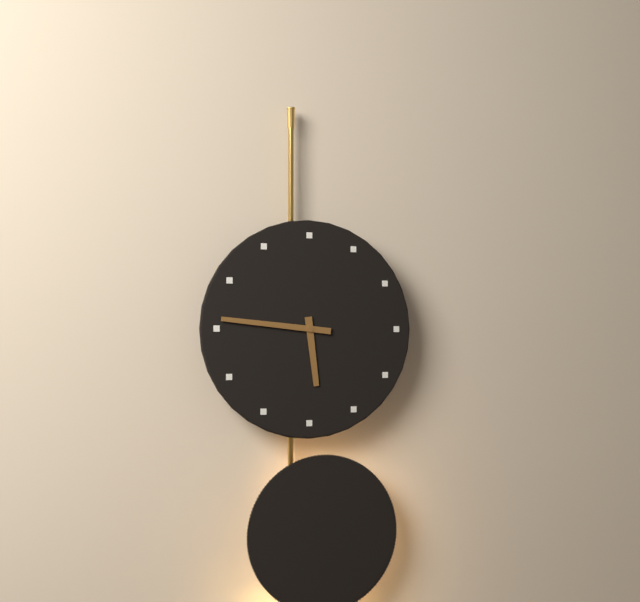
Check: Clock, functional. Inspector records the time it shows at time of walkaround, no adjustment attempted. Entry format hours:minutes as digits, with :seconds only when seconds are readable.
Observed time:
5:46
